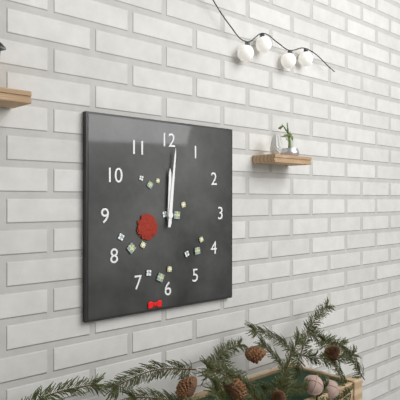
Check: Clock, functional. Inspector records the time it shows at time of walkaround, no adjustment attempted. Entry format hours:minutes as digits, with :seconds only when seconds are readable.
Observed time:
12:01
